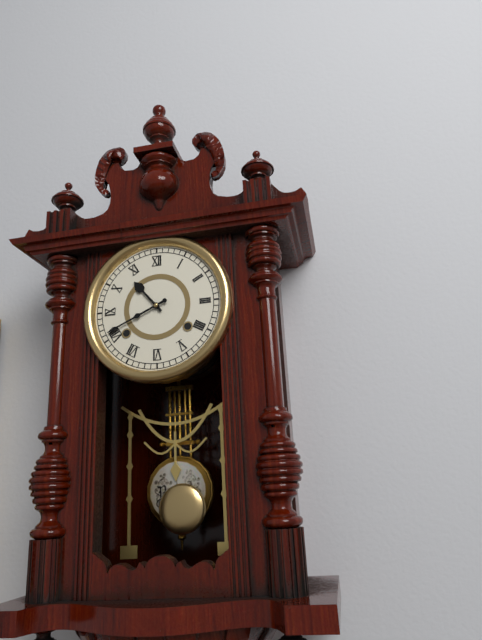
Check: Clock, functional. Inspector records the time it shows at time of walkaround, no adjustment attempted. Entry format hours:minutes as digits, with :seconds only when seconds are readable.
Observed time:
10:41
